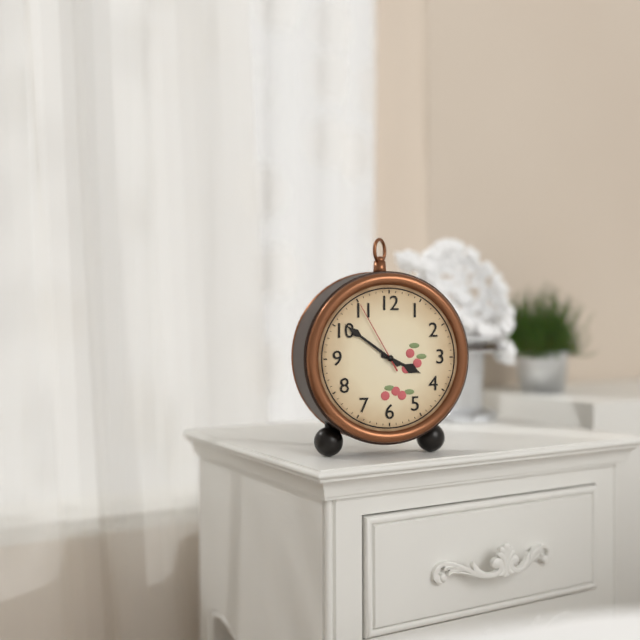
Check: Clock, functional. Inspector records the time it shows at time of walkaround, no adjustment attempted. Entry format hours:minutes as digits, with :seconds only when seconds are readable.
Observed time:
3:51:55
